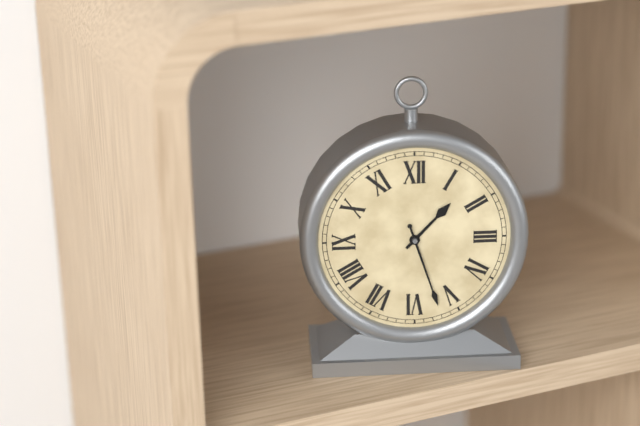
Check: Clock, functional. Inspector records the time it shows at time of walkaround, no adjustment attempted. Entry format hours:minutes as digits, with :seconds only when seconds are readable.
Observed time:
1:27
